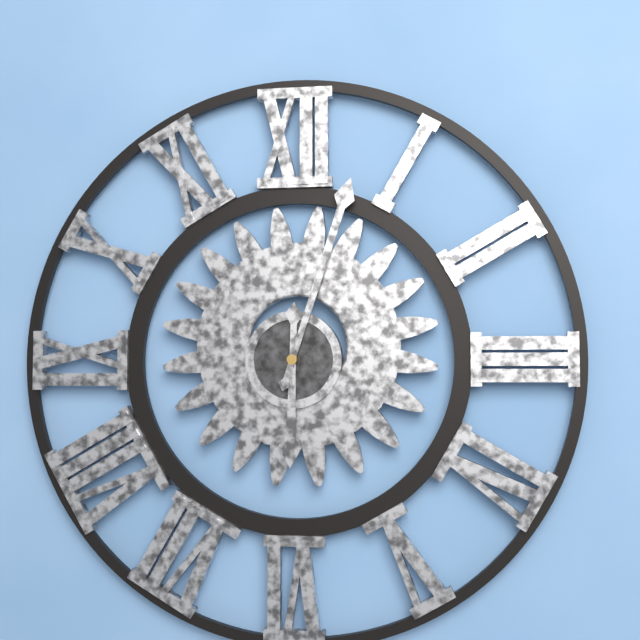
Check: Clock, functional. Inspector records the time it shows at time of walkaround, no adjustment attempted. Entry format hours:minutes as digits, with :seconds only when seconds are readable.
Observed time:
6:03
